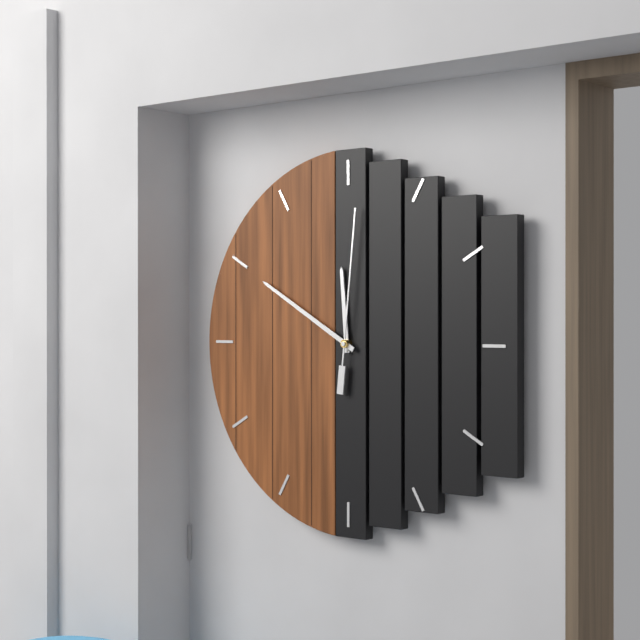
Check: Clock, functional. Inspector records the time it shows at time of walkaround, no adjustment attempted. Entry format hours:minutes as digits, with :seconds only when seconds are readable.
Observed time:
11:50:01
